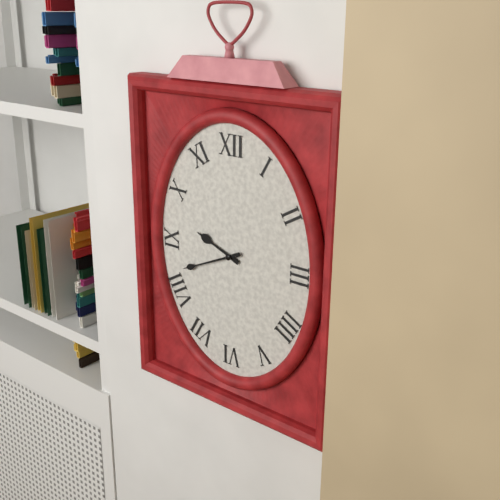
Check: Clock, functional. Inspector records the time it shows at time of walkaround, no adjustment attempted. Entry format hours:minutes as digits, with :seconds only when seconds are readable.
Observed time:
9:41
